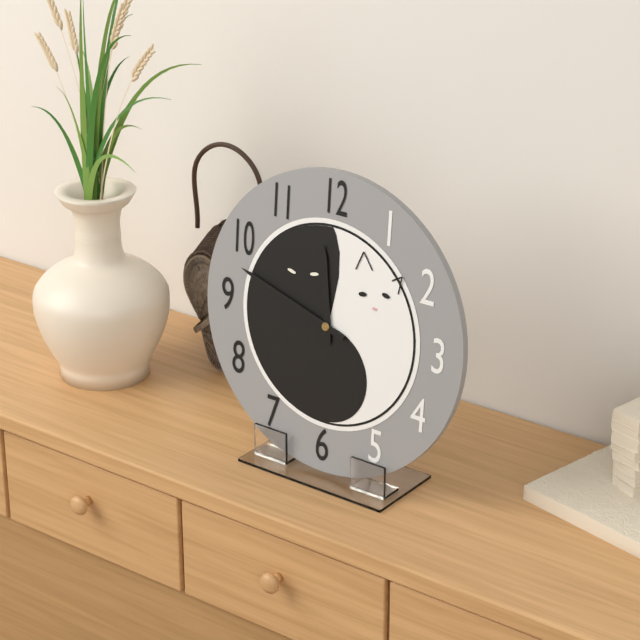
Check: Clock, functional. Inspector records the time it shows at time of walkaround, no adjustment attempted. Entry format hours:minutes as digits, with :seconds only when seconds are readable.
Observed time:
11:48
